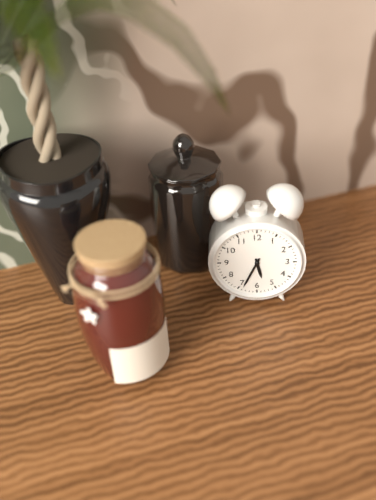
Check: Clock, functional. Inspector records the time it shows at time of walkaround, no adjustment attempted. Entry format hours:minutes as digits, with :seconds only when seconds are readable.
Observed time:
5:34
